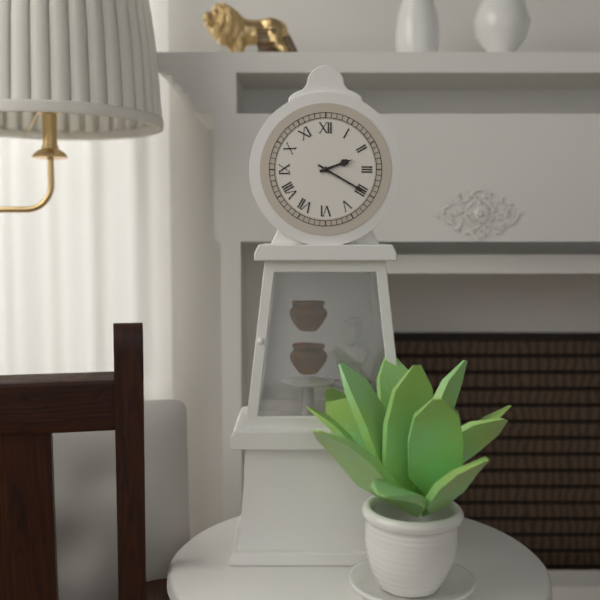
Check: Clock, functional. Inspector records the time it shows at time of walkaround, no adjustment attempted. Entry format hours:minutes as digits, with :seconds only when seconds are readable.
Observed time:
2:20
